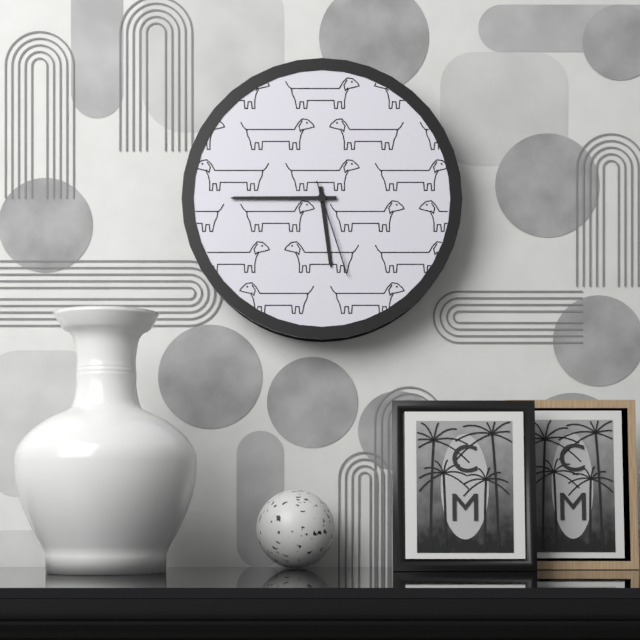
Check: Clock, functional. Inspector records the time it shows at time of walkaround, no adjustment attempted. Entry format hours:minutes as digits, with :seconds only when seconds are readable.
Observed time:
5:45:27
